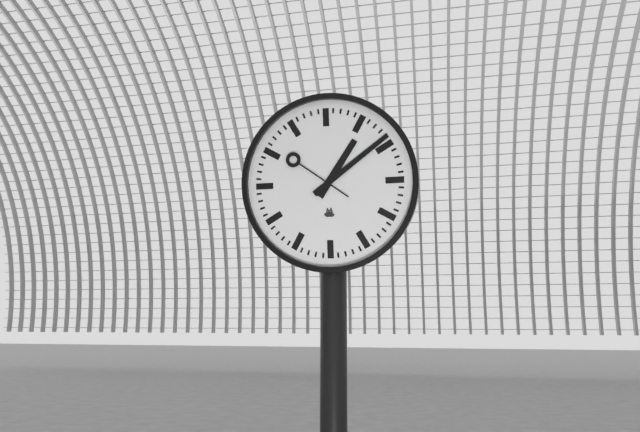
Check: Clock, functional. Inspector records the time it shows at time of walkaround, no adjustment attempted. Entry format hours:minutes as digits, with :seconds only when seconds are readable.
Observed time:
1:09:51
